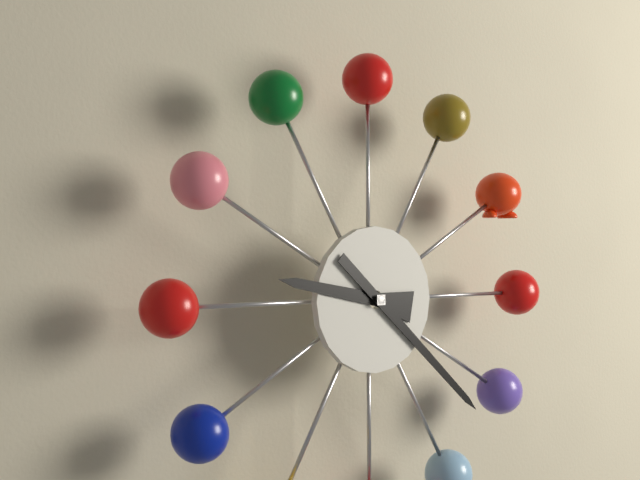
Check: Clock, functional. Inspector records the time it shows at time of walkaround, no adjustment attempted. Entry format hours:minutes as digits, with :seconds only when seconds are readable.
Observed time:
9:22
